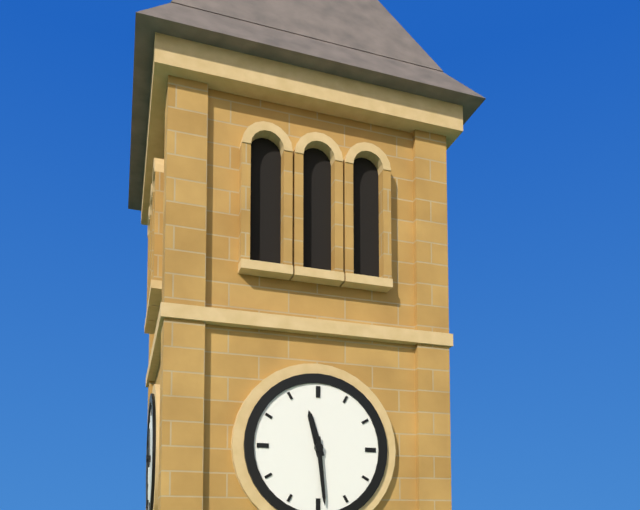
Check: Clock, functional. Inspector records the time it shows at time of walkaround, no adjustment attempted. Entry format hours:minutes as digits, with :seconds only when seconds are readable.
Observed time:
11:29
